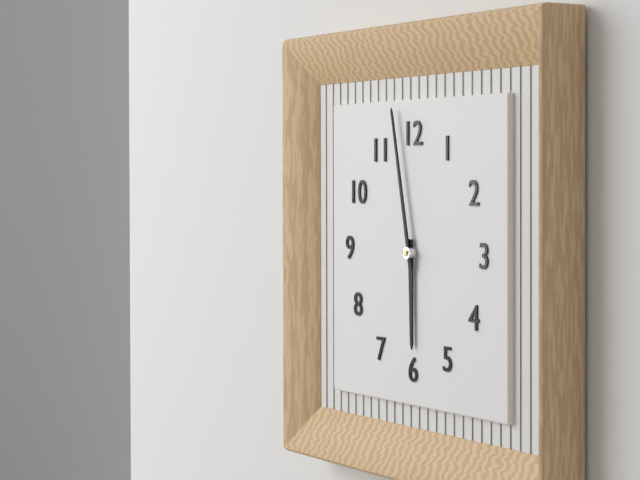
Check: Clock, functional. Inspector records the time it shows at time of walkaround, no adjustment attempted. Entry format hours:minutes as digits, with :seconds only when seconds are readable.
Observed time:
5:58
